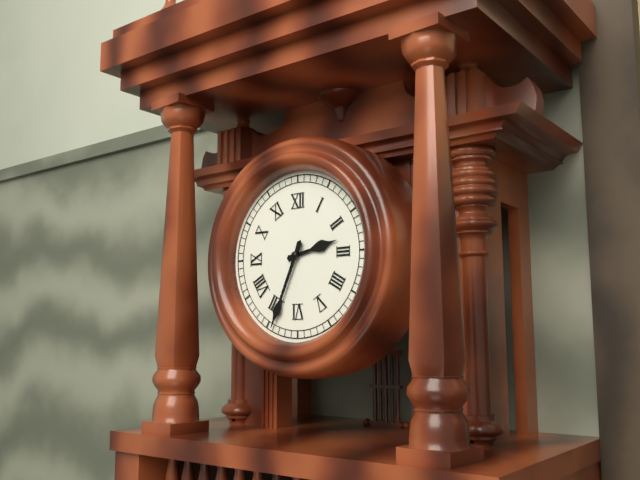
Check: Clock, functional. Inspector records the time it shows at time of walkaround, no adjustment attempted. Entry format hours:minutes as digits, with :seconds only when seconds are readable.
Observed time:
2:34
